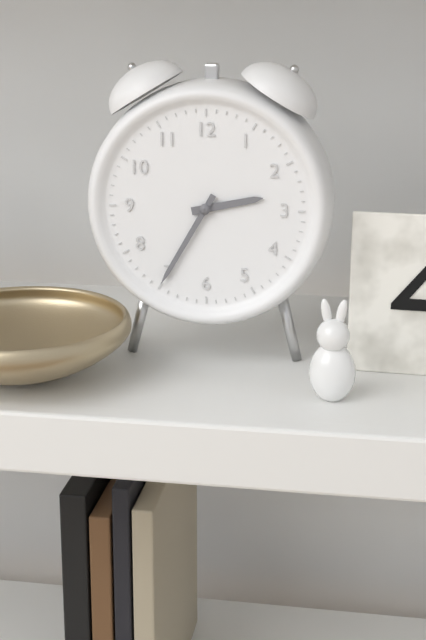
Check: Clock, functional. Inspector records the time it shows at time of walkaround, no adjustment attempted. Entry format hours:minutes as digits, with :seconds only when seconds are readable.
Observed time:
2:35
